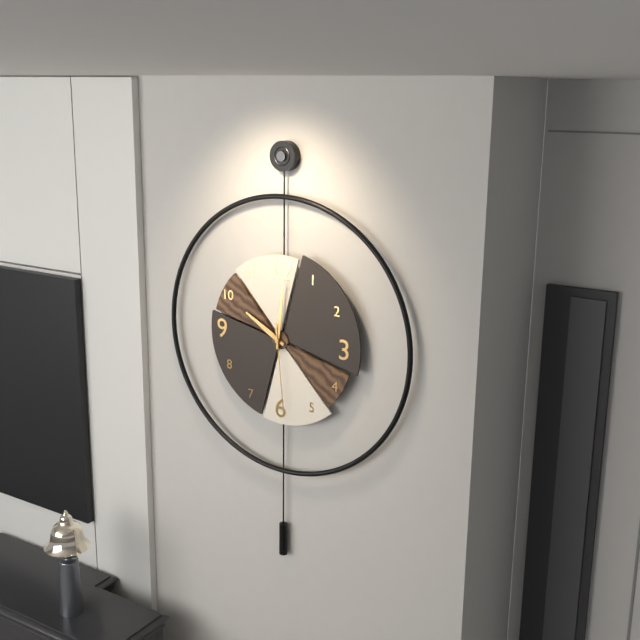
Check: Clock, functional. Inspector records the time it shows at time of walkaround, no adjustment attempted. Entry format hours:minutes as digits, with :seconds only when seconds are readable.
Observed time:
10:01:29
